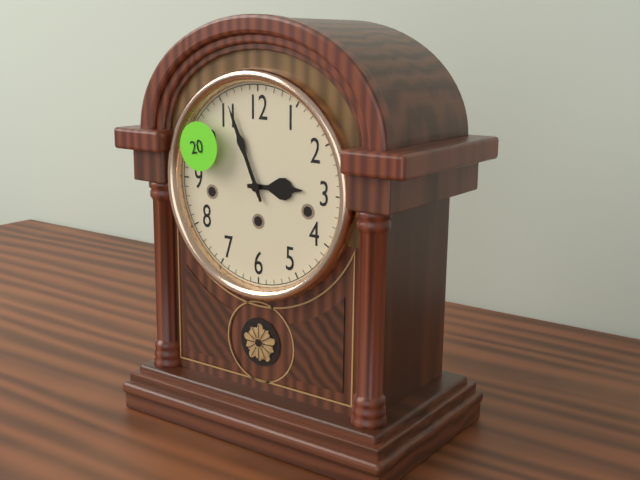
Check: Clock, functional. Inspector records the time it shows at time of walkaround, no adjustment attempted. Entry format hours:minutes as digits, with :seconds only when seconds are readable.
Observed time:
2:56
